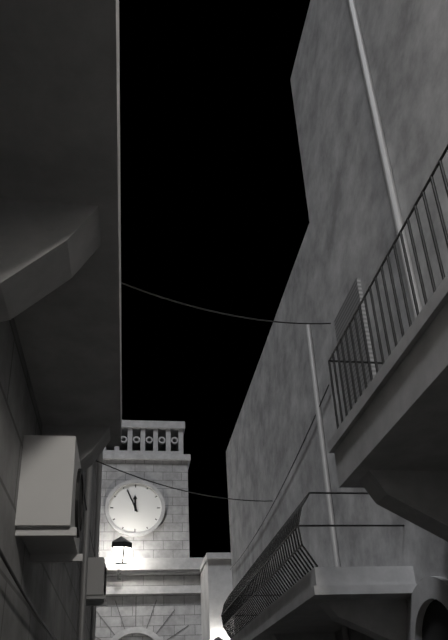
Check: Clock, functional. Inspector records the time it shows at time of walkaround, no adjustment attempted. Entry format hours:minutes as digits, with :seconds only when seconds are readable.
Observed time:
11:56
